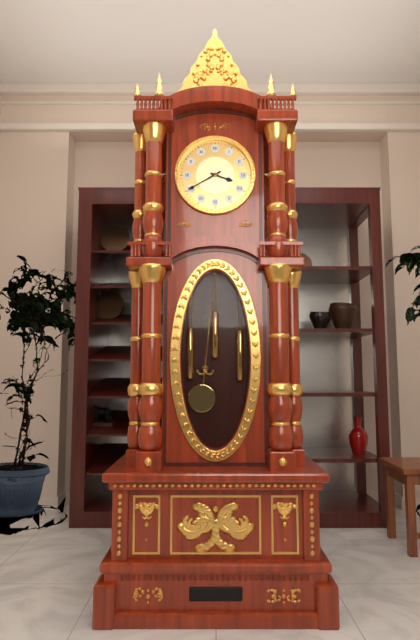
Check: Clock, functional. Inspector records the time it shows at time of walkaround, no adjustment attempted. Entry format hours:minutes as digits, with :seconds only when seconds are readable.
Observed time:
3:40
